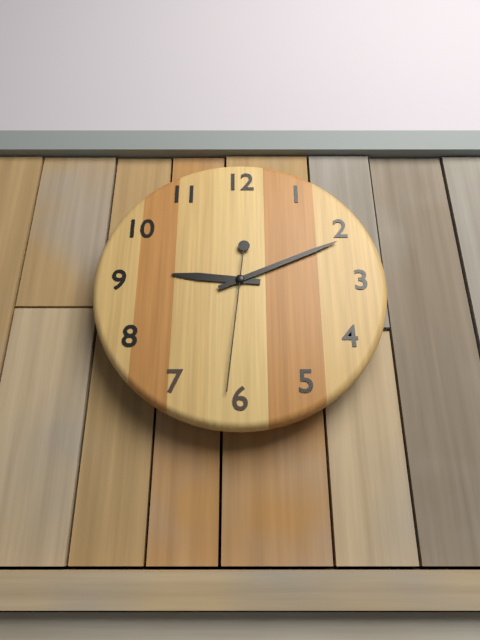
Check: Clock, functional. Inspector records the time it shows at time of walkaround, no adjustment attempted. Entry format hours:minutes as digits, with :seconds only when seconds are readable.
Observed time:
9:11:31
